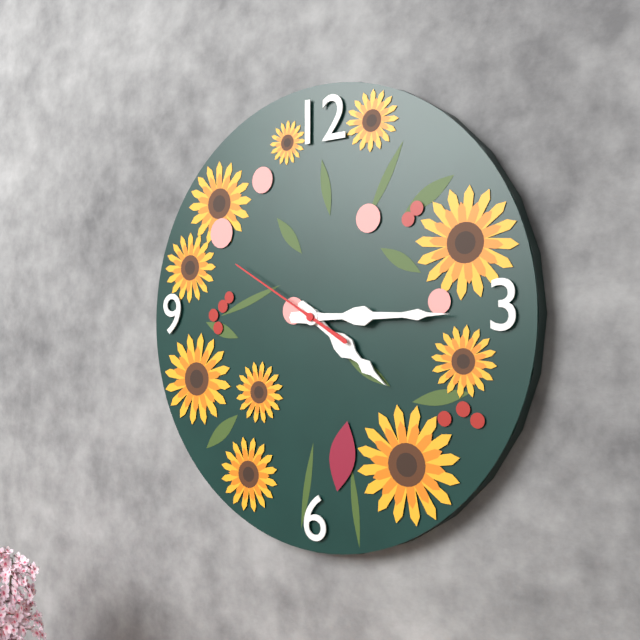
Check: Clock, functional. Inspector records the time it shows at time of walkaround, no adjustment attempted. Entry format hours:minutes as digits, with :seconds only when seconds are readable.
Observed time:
4:15:50
